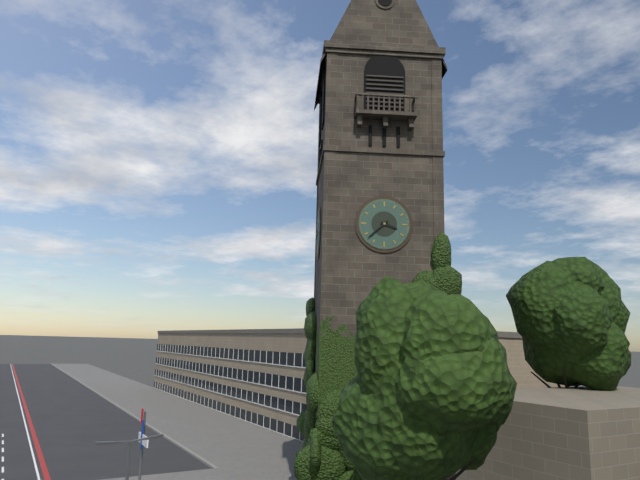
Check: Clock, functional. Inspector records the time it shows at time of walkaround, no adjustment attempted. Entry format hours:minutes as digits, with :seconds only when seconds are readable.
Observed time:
3:38
